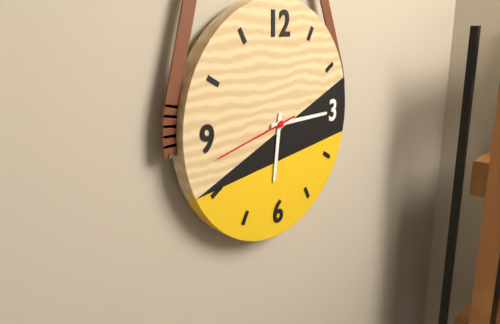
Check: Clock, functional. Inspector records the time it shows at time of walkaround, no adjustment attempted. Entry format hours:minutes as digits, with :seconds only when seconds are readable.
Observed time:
6:15:43
